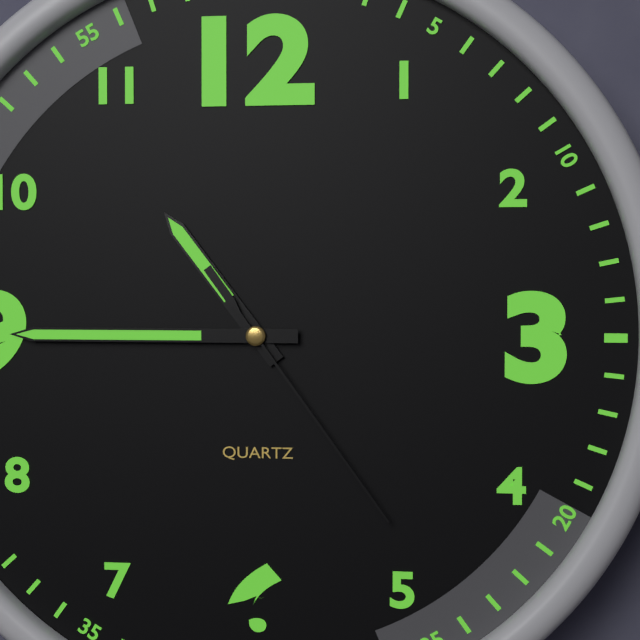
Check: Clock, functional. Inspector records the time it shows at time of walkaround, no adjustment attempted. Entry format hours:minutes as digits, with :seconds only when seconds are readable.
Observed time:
10:45:24
